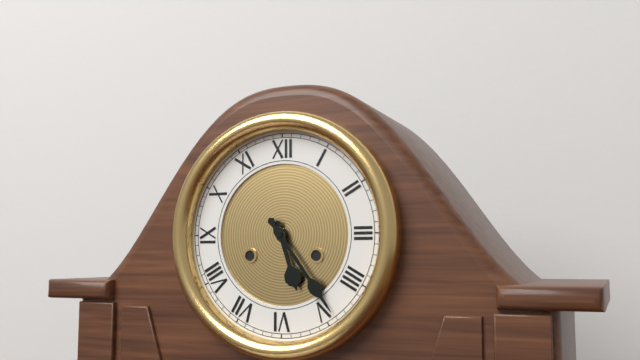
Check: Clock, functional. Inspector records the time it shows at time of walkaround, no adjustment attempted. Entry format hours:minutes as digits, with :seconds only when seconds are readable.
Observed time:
5:24
